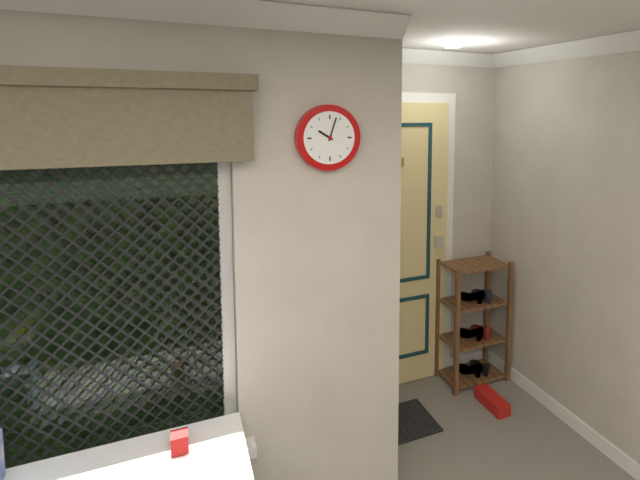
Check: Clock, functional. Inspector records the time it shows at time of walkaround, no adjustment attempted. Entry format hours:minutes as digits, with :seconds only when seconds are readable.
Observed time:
10:03
